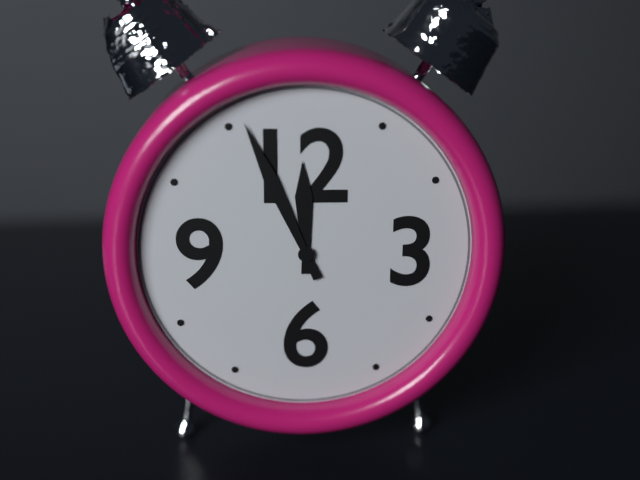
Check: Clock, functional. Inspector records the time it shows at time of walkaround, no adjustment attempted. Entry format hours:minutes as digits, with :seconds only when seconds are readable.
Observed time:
11:56
